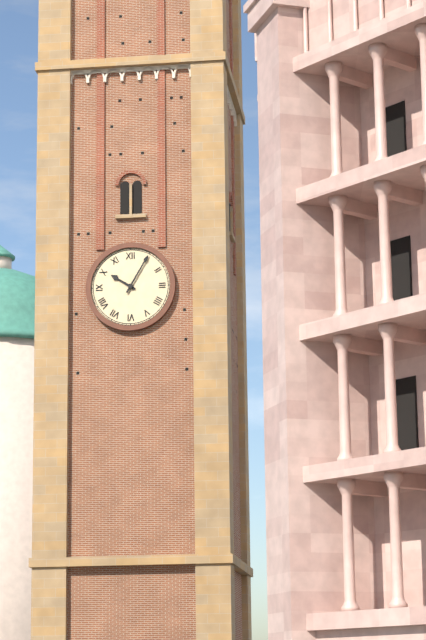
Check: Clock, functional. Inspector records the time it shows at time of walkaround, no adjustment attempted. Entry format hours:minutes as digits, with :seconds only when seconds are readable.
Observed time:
10:05
